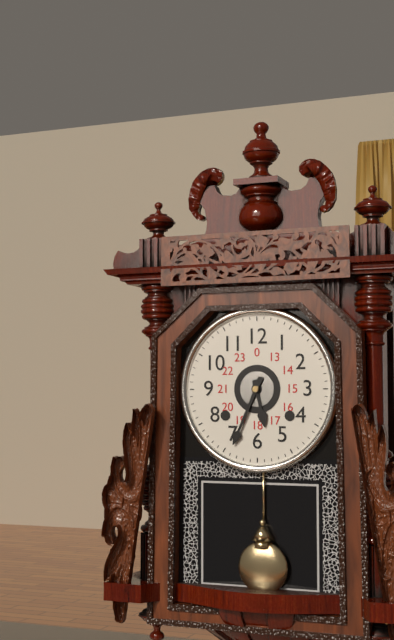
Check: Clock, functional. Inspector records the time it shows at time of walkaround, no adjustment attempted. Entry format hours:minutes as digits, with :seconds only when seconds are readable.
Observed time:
5:34
